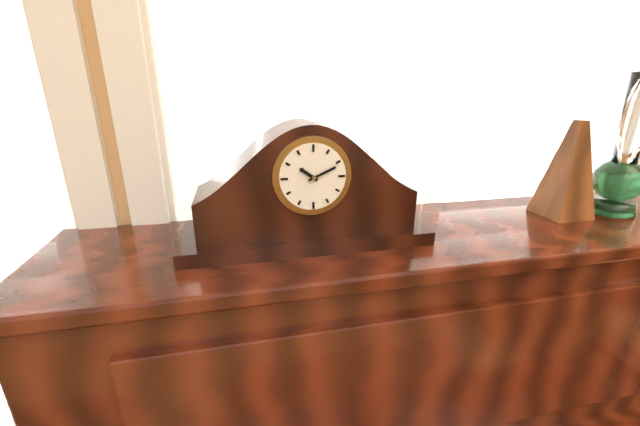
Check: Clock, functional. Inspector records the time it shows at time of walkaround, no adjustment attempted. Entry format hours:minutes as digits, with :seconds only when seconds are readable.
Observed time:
10:11
